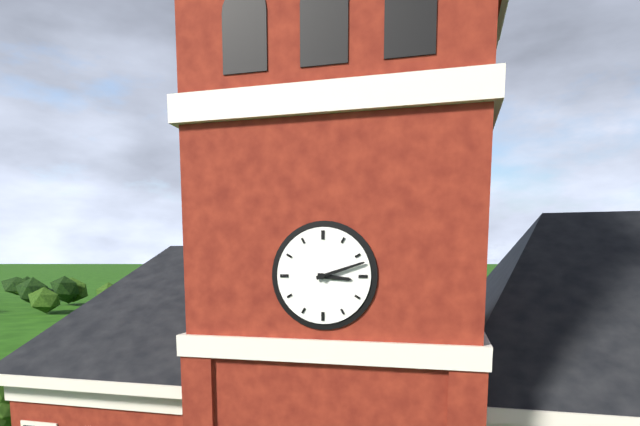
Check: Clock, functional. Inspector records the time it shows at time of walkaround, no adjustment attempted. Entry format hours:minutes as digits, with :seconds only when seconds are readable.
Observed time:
3:12
